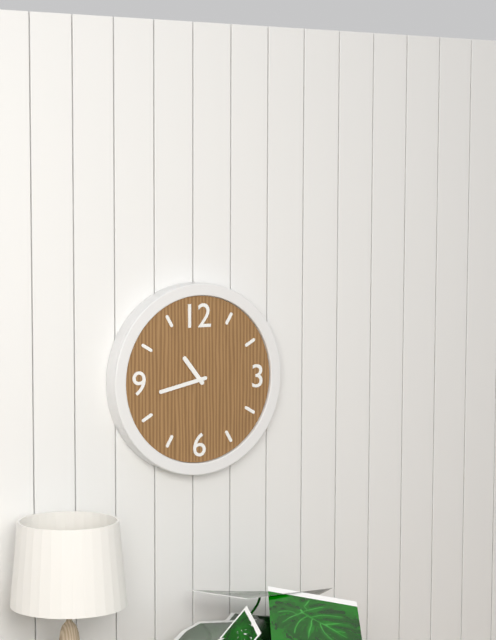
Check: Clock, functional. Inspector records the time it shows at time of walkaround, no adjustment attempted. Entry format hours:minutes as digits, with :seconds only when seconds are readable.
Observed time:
10:43
